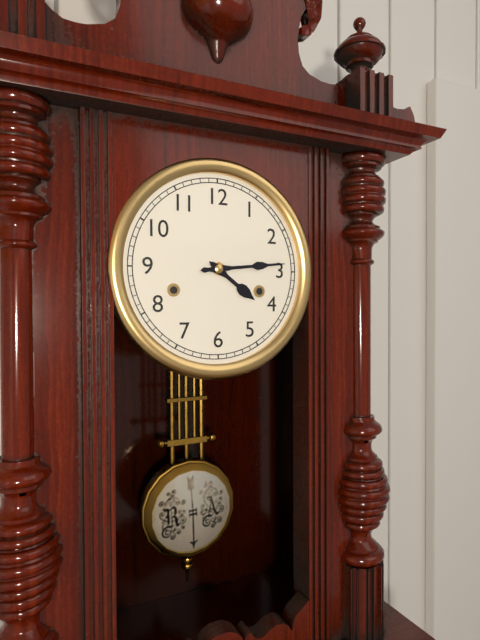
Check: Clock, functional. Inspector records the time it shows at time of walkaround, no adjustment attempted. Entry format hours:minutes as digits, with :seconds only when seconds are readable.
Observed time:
4:14
